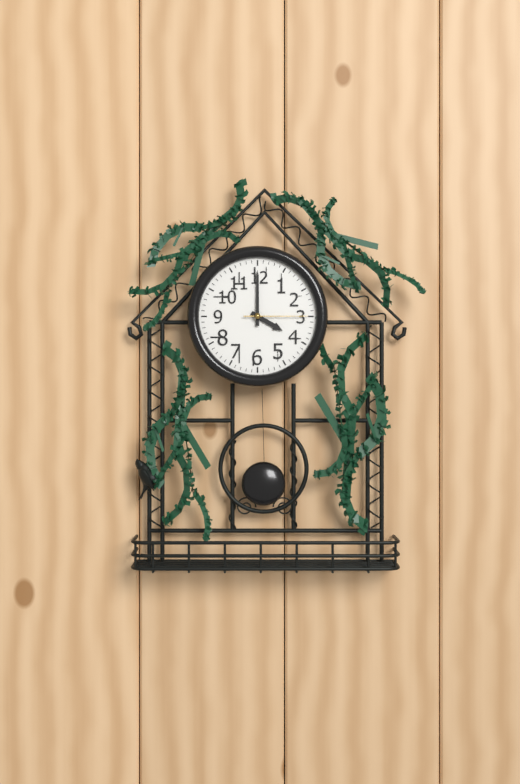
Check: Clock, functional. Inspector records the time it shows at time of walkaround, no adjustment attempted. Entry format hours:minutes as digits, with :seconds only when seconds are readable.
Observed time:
4:00:15
